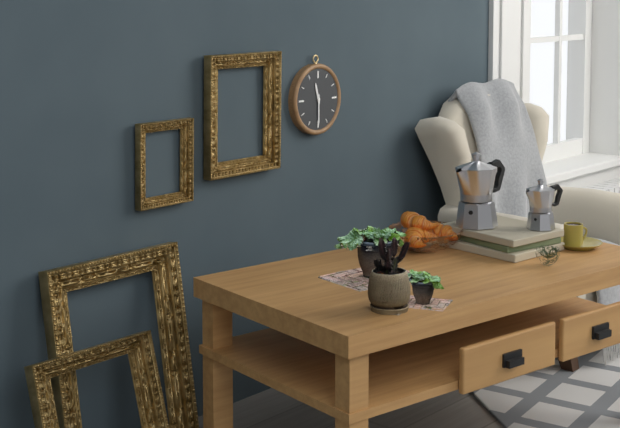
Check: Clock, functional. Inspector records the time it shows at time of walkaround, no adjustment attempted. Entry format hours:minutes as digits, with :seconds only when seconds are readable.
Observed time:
11:30
